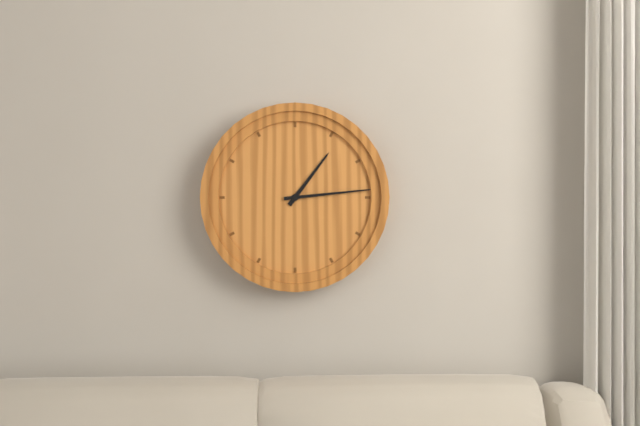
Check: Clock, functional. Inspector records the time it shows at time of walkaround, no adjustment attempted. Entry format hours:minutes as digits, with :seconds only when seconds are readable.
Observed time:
1:14
